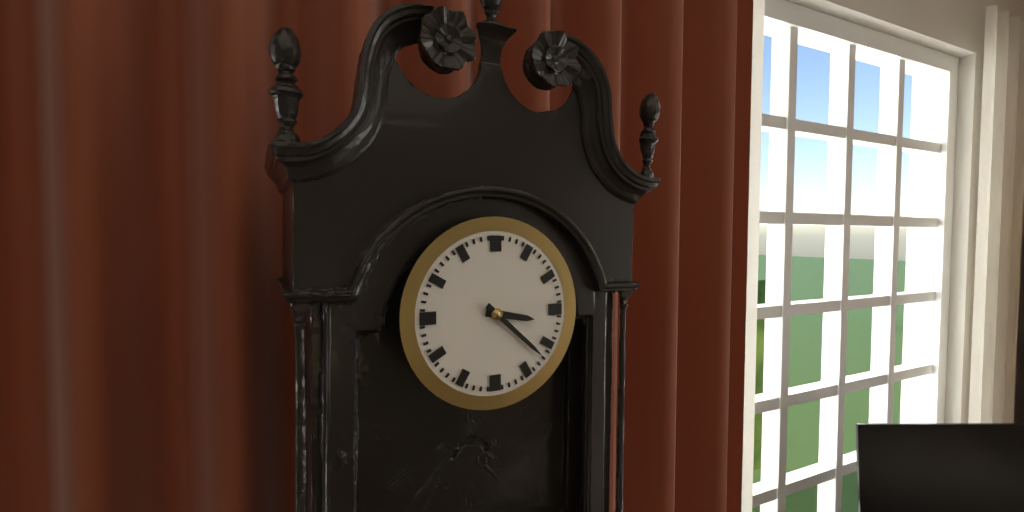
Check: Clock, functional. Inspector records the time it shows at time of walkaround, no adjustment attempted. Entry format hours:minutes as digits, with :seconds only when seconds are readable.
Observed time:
3:22
